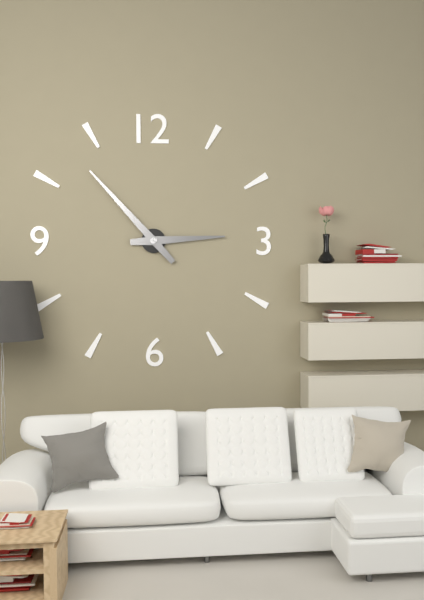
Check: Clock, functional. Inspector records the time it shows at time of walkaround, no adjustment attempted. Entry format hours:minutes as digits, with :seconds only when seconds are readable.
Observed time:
2:53
